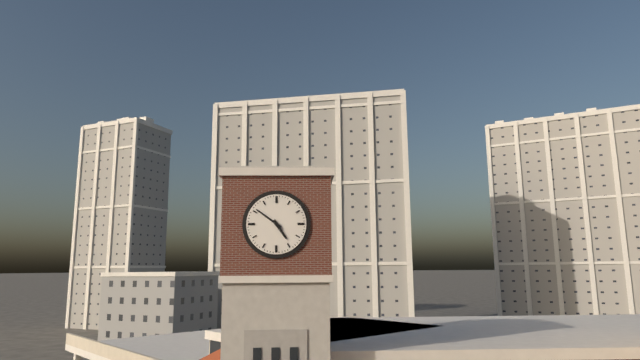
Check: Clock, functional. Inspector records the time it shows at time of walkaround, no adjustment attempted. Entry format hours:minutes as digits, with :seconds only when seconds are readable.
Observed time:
4:51
